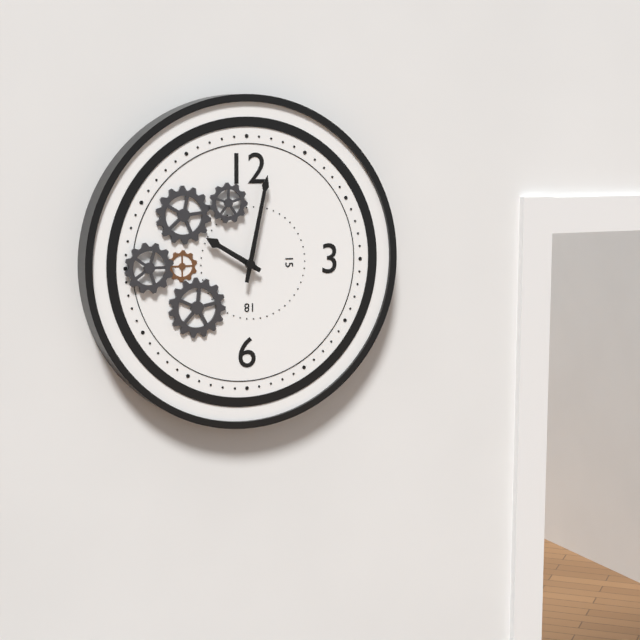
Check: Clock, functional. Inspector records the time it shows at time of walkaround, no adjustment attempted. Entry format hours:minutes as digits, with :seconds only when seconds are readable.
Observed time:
10:02
